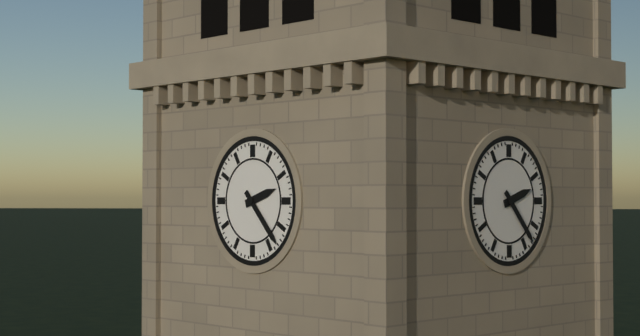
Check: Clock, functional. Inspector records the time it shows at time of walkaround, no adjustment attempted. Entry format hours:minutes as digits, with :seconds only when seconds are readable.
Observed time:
2:23
